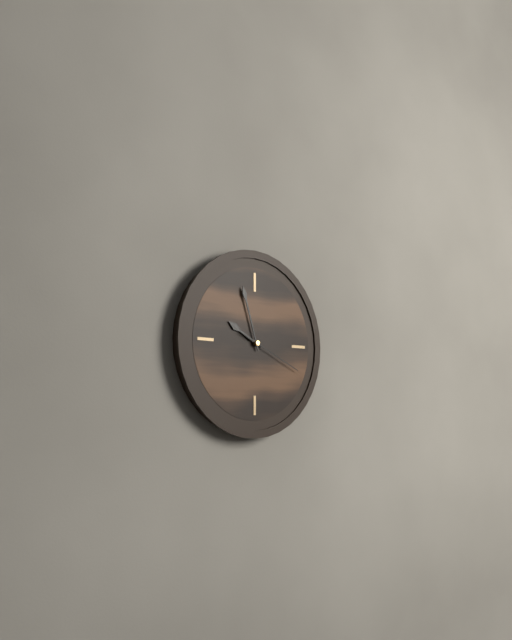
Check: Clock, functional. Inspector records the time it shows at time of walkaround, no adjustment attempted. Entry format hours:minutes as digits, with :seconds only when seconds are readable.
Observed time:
9:57:19
